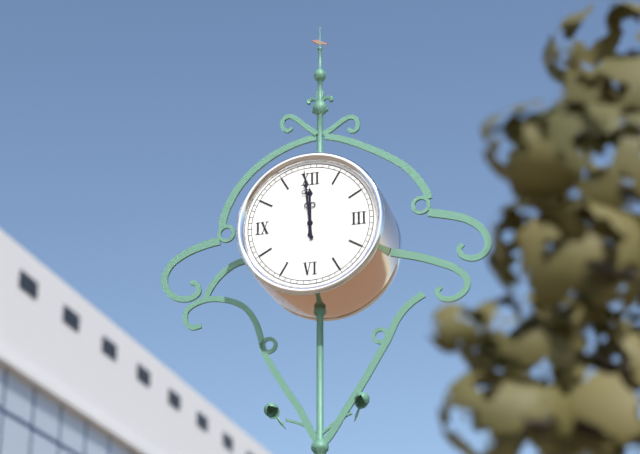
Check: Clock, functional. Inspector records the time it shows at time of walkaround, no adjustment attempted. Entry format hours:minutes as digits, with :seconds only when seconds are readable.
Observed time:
11:59
